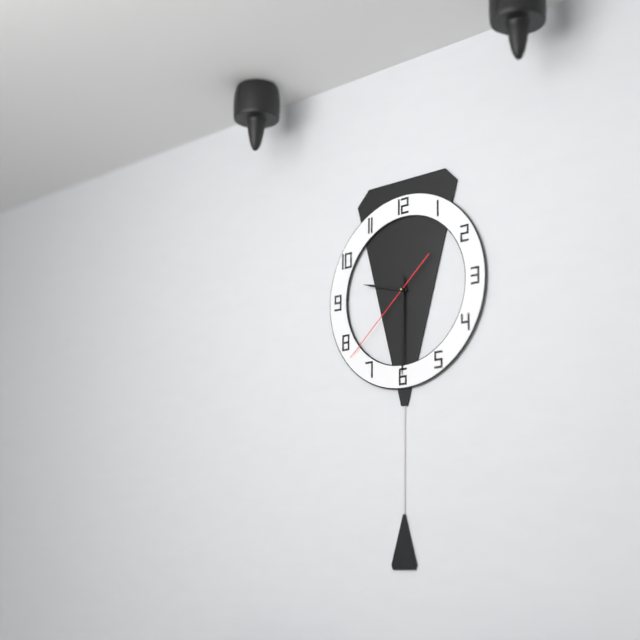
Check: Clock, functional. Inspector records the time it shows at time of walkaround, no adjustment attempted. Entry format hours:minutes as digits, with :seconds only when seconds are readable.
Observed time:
9:30:38
